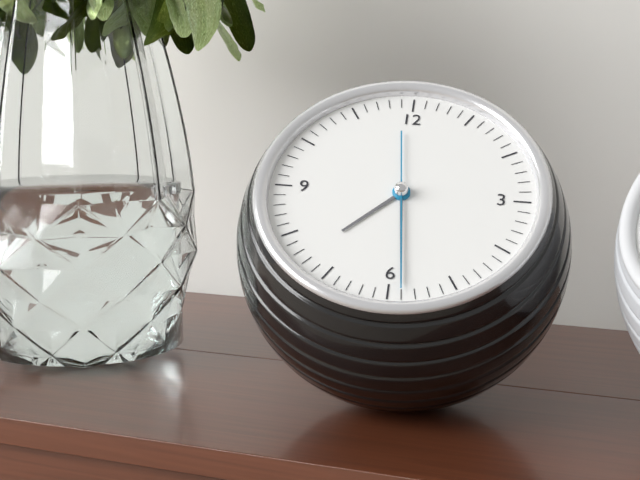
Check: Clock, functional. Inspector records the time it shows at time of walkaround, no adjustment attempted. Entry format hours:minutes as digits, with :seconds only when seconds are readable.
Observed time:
7:29:29
